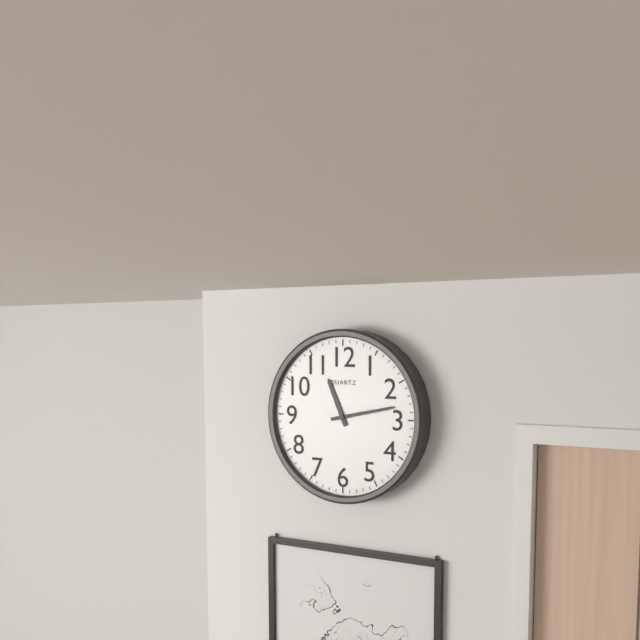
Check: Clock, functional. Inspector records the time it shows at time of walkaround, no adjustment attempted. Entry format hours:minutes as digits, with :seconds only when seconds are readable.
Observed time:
11:13
